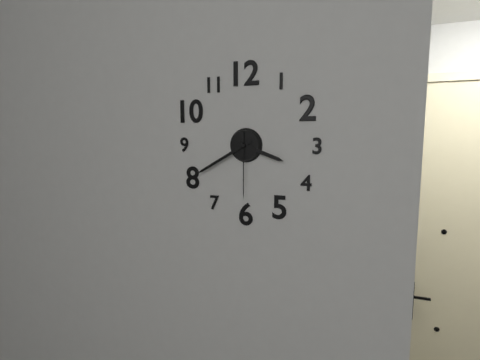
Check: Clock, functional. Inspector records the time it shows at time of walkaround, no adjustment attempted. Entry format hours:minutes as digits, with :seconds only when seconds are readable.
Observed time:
3:40:30
